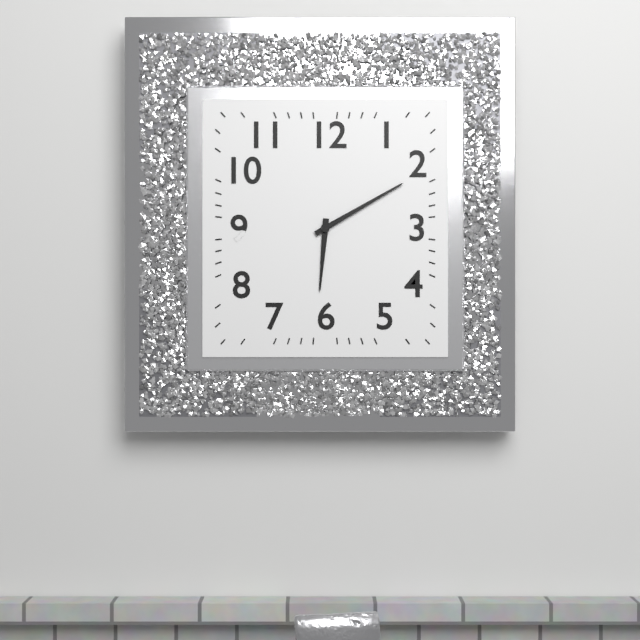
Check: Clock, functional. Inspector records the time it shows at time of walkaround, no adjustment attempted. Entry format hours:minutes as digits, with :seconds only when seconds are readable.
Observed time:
6:10
